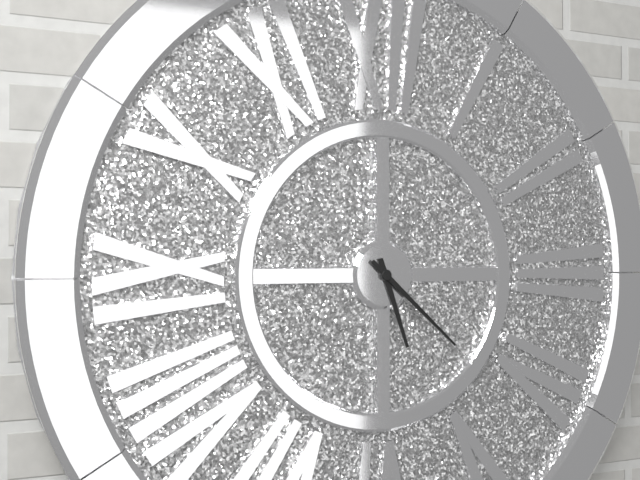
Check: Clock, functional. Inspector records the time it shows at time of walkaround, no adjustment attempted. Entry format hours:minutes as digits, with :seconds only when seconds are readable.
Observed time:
5:22
